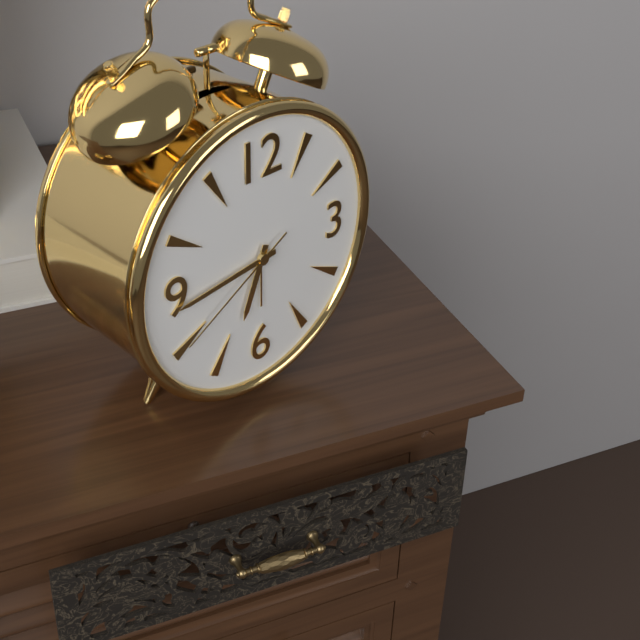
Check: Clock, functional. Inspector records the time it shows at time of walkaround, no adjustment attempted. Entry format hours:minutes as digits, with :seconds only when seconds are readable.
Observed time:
6:44:40
